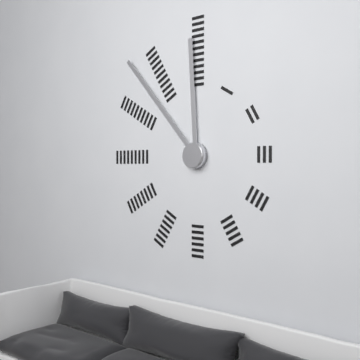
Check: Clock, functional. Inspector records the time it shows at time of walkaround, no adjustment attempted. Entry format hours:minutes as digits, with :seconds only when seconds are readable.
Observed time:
11:53
